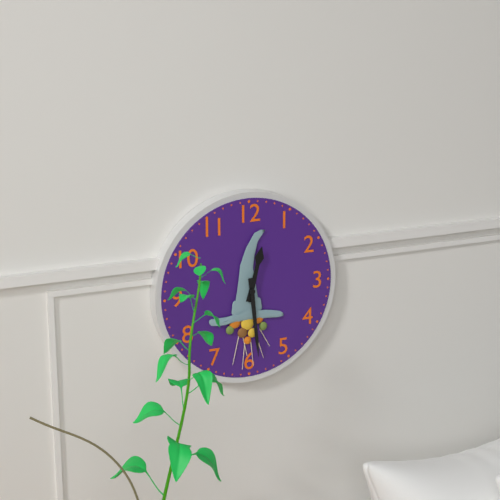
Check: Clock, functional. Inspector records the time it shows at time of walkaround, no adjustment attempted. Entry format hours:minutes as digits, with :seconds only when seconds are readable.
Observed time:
12:29
